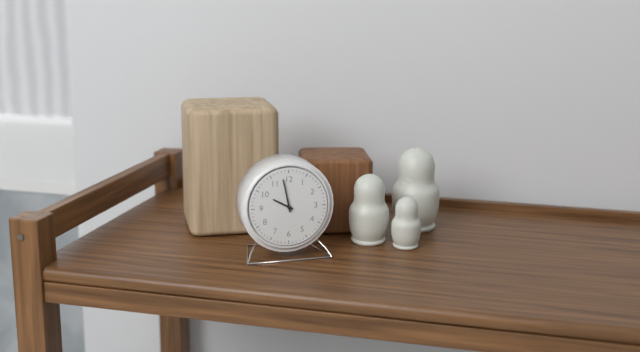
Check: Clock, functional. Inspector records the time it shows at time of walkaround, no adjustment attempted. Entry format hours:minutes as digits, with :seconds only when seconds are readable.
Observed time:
9:58
